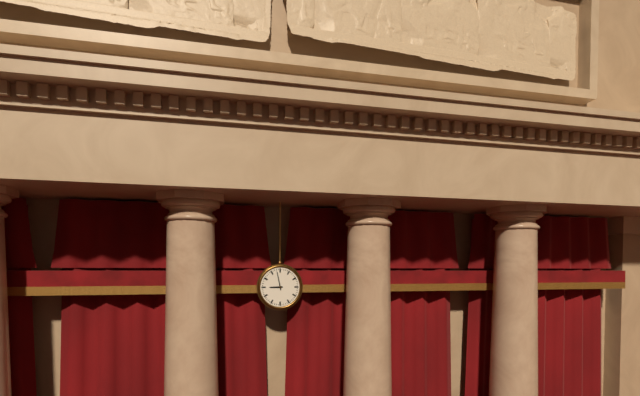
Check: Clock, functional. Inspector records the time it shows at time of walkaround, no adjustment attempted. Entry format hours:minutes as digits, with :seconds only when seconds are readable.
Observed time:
8:58
